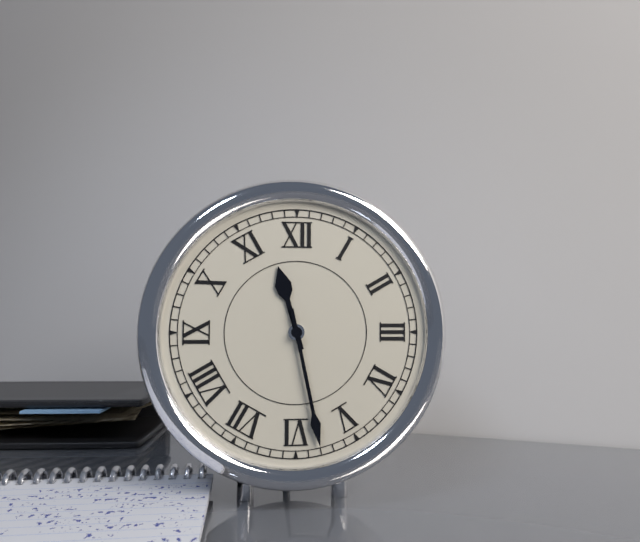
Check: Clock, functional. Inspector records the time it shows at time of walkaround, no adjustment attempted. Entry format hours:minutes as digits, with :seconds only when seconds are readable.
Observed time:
11:28
